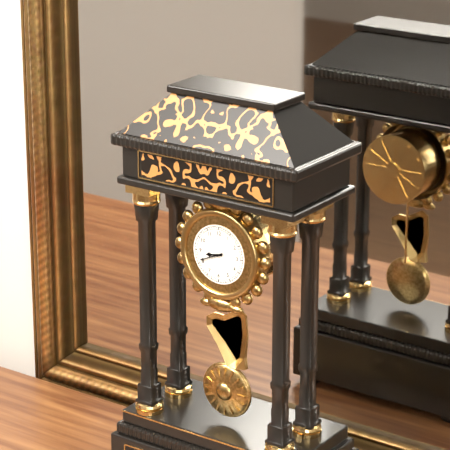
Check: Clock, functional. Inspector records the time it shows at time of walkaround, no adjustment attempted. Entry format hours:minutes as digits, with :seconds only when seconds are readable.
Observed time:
8:41
